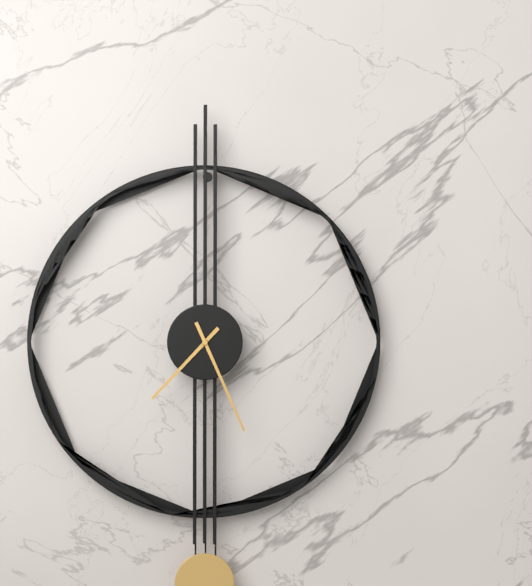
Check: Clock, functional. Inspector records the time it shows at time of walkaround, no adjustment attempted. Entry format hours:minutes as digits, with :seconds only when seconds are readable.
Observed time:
7:26
